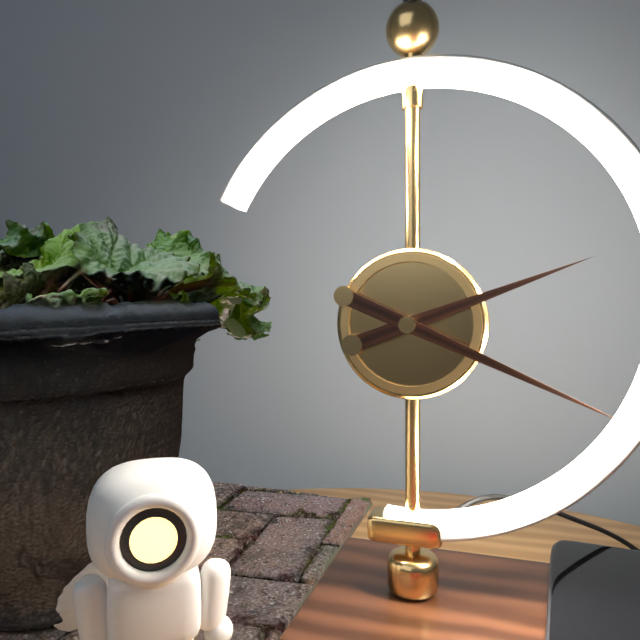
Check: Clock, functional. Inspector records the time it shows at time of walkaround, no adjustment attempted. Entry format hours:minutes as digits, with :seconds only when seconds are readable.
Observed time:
2:19
